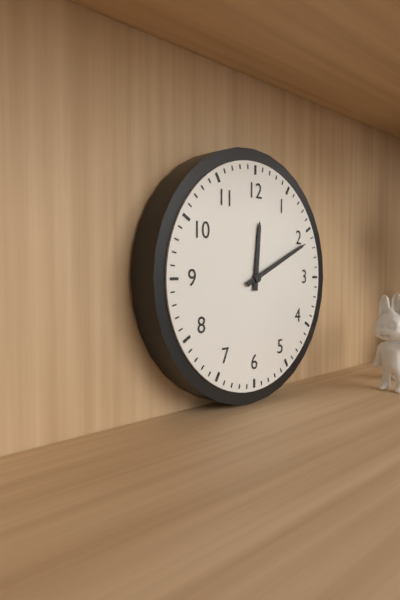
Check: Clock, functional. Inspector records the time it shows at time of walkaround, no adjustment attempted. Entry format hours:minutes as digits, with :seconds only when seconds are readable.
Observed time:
12:11
